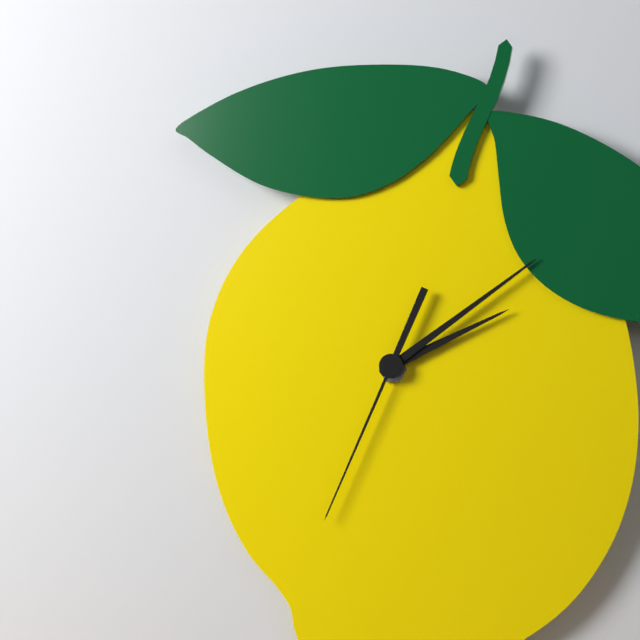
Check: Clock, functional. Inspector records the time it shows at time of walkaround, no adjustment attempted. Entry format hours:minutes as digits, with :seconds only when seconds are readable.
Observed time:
2:09:34
